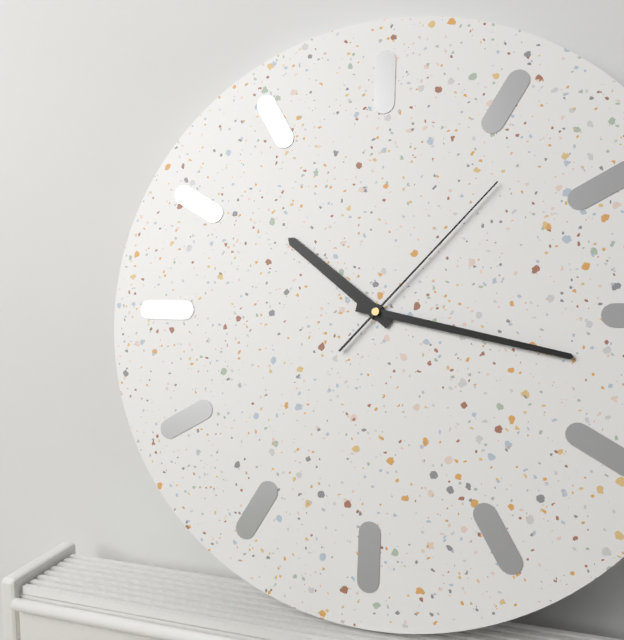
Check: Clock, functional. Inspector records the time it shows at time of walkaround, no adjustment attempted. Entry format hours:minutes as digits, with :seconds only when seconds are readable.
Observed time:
10:17:07
